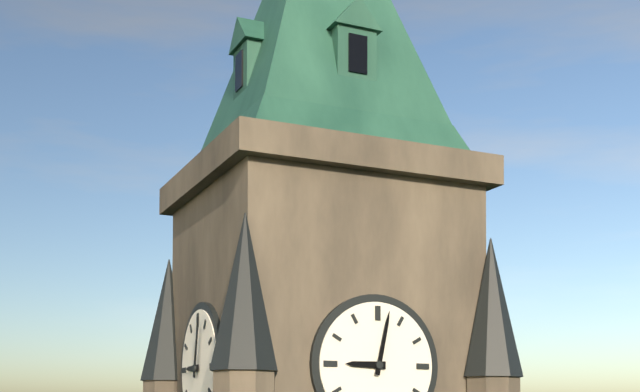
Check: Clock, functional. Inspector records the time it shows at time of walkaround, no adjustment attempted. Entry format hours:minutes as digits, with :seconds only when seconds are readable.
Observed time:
9:02
